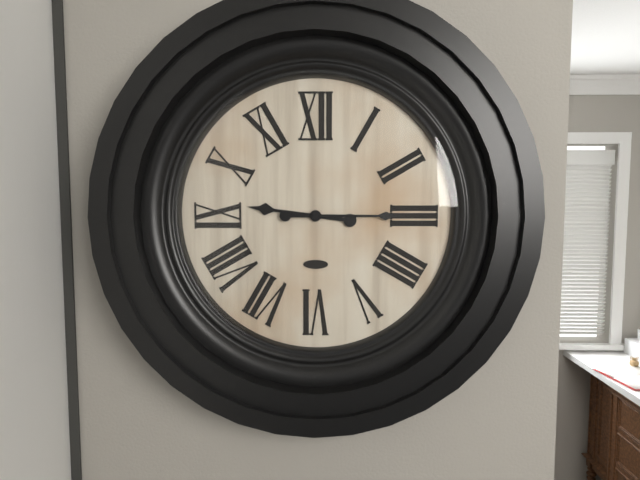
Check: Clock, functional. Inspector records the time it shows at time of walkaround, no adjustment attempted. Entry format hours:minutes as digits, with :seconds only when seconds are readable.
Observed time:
9:15
